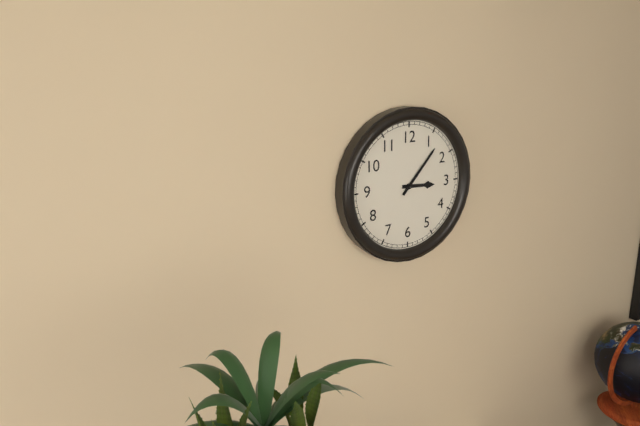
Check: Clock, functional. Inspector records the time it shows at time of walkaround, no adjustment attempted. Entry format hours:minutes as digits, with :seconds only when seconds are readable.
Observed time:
3:07
